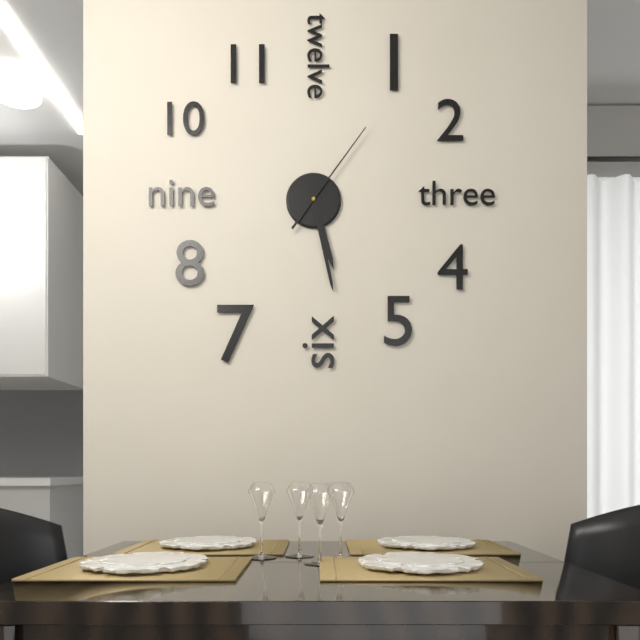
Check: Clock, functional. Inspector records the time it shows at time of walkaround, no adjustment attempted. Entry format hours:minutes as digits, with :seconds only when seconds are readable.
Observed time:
5:28:06
